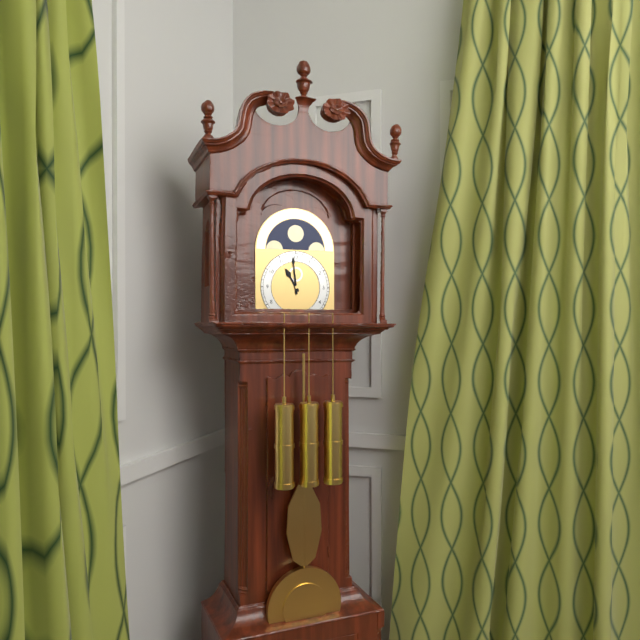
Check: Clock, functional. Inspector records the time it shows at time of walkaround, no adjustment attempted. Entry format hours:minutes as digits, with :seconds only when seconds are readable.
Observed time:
10:59
